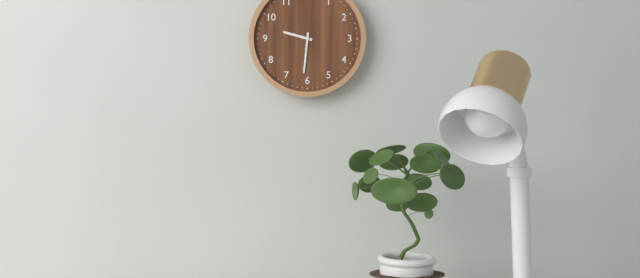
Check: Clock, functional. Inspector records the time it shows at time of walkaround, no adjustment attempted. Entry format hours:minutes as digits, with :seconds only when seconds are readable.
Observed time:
9:31
